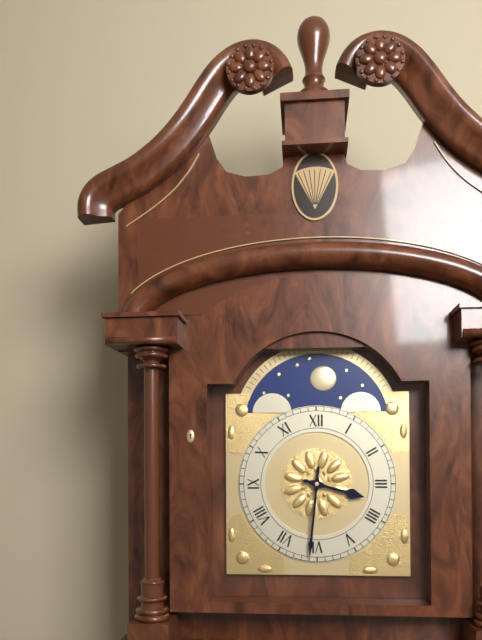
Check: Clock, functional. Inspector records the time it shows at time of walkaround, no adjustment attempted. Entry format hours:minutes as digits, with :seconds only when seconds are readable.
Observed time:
3:31
